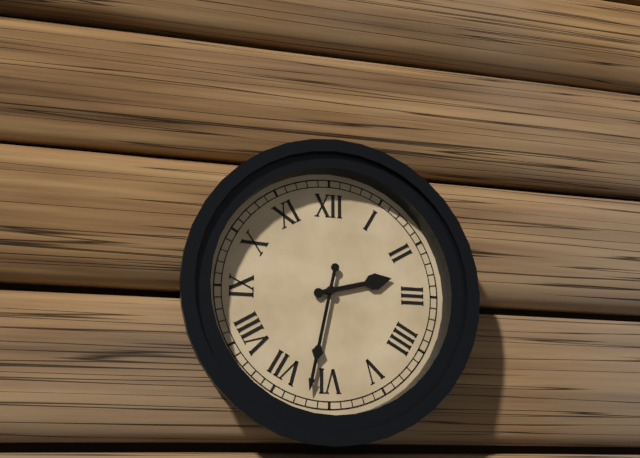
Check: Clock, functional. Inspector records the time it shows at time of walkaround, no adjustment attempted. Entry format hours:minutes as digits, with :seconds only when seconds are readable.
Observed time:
2:32
